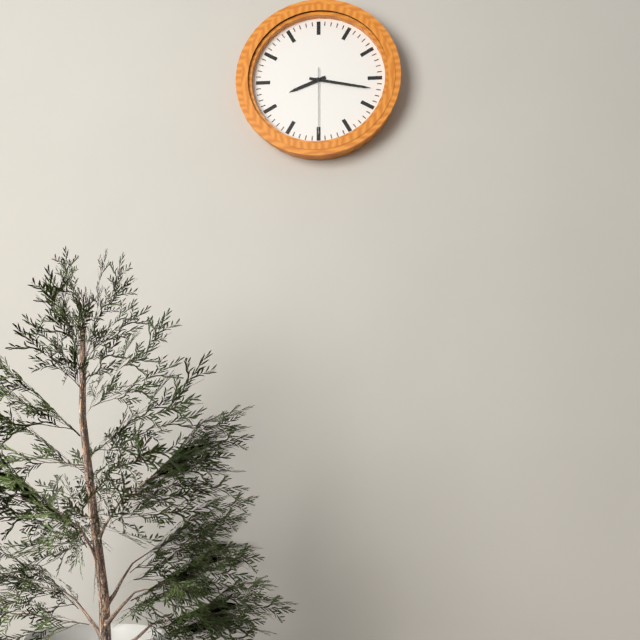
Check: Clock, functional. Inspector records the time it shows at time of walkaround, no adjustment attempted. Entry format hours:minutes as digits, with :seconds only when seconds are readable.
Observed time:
8:17:30
